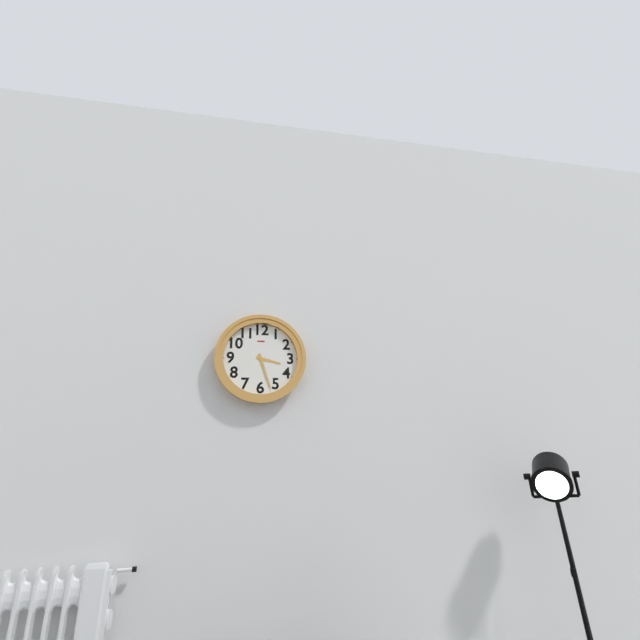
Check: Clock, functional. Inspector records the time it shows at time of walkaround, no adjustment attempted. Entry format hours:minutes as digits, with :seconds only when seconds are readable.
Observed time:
3:27
